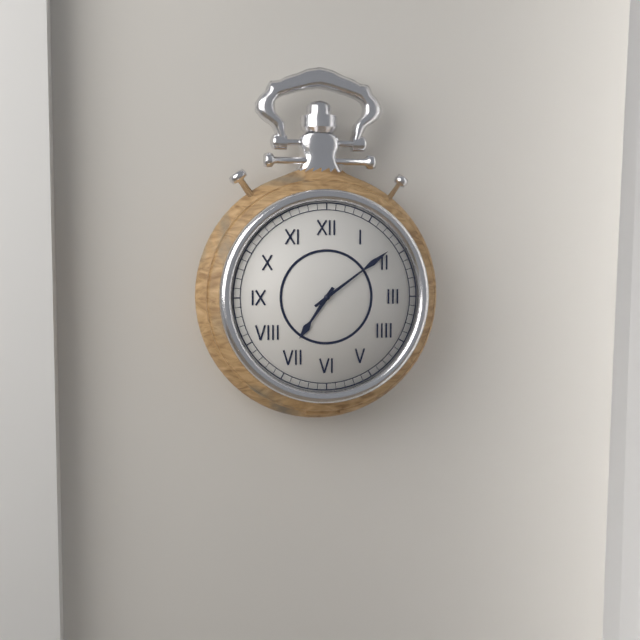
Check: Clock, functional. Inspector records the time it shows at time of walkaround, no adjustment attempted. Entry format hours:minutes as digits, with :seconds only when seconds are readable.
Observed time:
7:09
